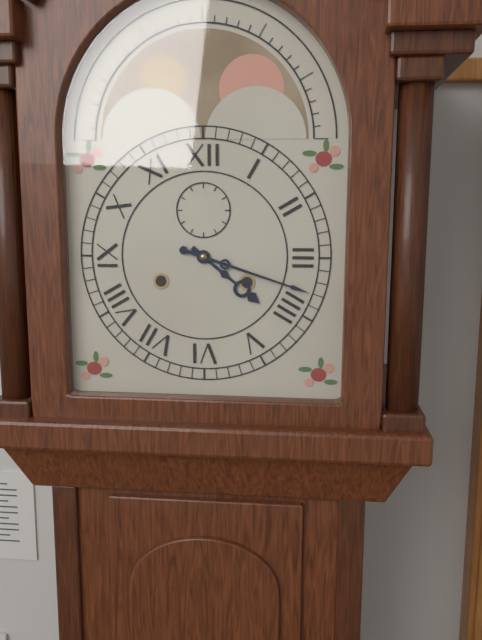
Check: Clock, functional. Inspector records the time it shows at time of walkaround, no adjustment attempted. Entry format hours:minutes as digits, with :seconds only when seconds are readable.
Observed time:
4:18
